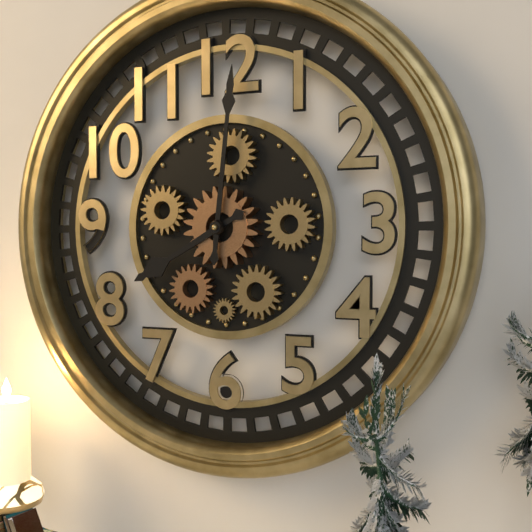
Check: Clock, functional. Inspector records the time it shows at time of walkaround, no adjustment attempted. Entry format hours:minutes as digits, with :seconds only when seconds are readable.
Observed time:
8:01
